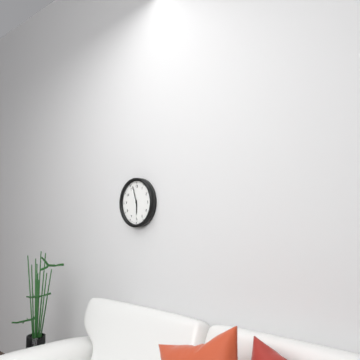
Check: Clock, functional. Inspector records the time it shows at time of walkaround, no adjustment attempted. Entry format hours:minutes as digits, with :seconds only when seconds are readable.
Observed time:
5:57
